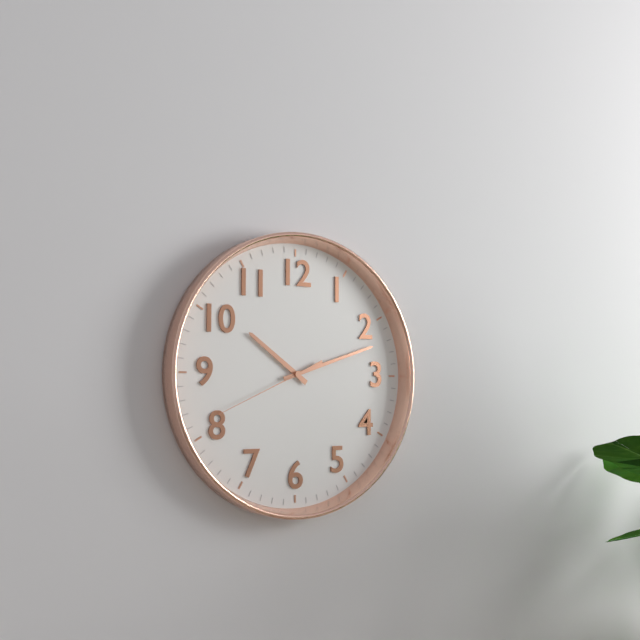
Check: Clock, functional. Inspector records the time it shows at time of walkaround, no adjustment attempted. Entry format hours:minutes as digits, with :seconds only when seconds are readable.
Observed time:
10:12:41
